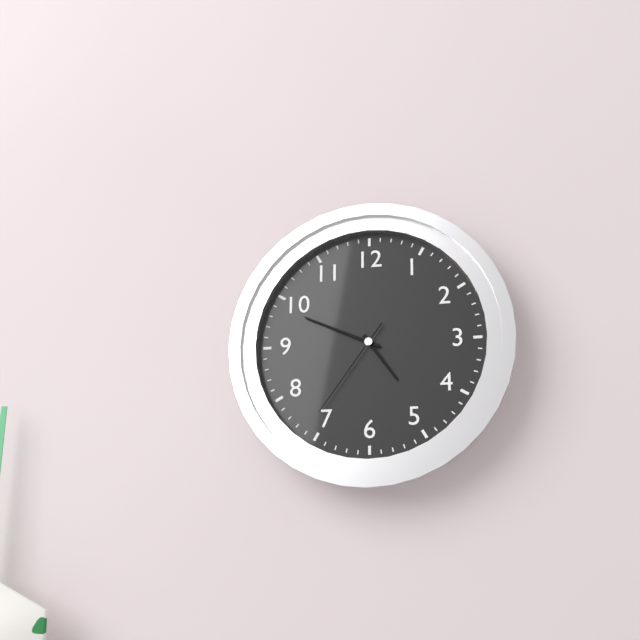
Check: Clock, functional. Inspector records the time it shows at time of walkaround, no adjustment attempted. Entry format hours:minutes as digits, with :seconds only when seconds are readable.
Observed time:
4:49:36
